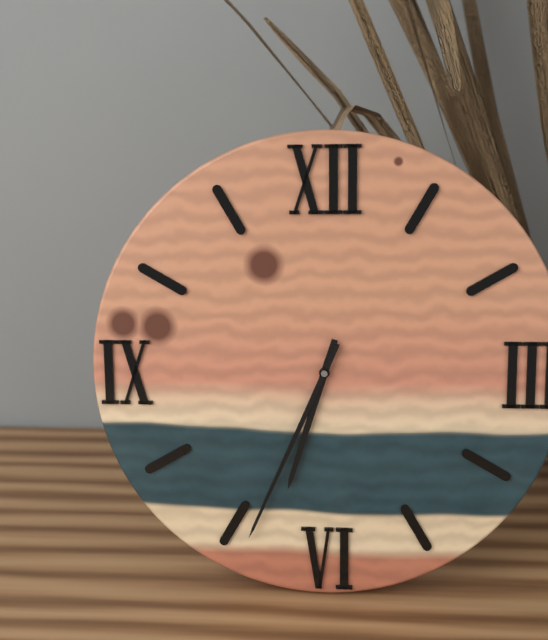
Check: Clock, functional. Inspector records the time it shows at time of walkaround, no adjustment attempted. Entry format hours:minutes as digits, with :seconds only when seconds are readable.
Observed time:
6:34
